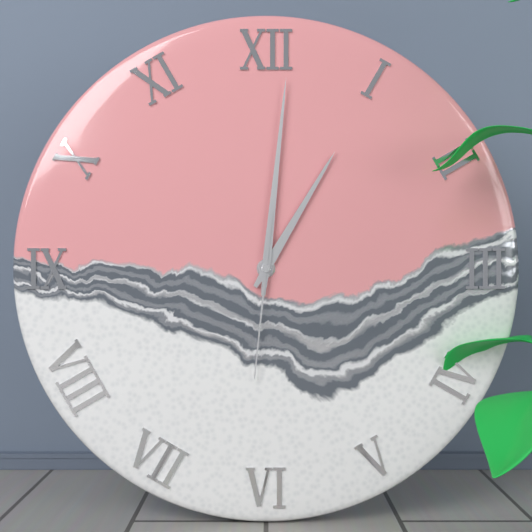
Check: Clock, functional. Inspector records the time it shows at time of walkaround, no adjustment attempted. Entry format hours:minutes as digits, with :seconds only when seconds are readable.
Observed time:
1:01:31
